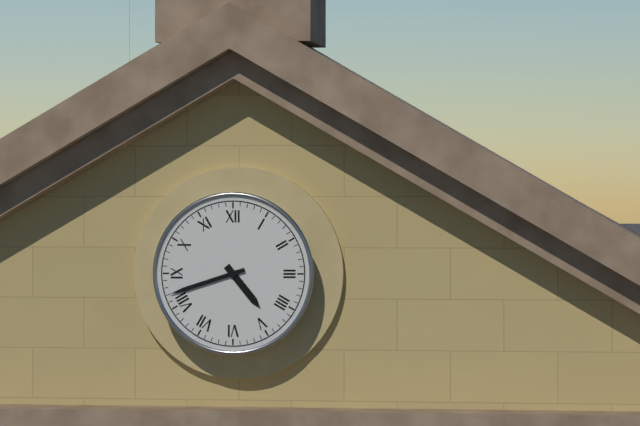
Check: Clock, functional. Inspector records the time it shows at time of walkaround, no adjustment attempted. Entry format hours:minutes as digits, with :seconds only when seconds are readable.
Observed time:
4:42
